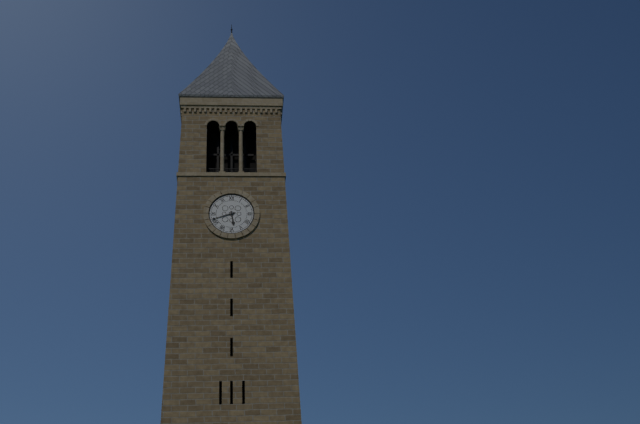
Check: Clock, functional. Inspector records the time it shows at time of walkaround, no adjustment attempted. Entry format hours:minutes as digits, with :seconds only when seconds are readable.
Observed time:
5:42
